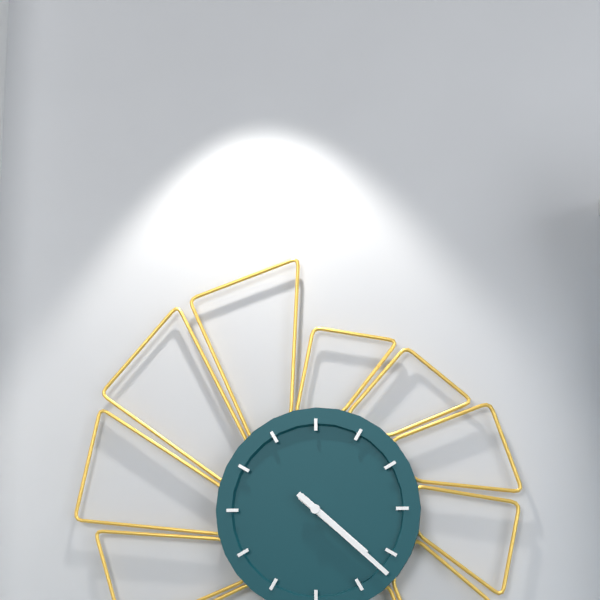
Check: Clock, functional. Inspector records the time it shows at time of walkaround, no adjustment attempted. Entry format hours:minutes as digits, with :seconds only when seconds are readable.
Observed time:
4:22
